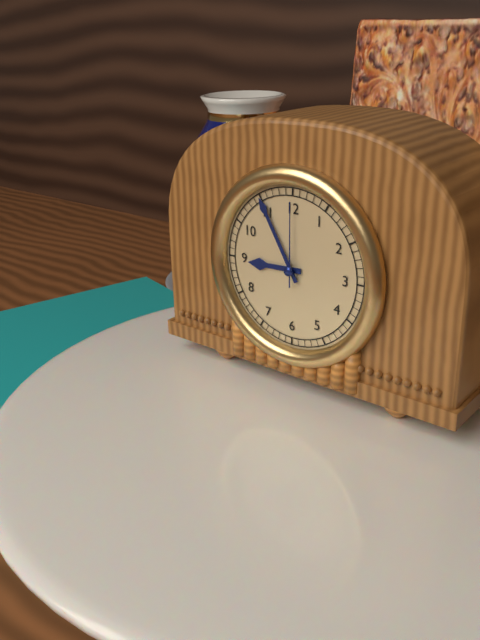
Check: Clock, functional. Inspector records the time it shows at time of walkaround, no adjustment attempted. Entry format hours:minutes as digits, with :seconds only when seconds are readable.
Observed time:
8:55:00
